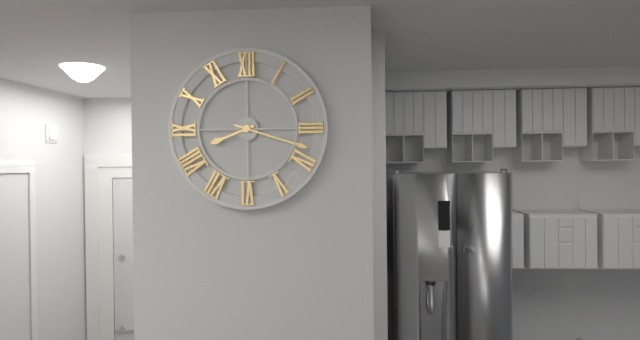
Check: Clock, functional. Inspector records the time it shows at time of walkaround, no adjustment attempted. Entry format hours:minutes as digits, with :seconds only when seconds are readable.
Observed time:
8:18
